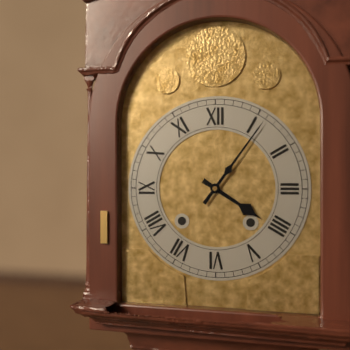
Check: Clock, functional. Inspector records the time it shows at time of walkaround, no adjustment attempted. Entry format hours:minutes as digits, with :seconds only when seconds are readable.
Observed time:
4:06
